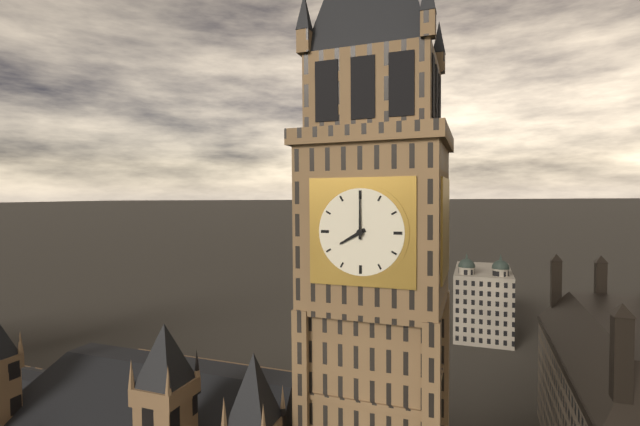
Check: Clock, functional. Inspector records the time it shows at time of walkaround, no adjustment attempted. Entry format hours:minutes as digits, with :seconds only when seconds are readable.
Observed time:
8:00
